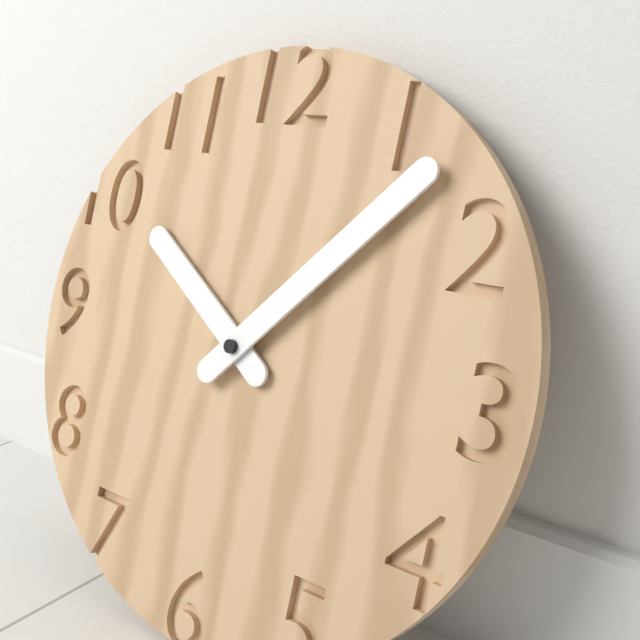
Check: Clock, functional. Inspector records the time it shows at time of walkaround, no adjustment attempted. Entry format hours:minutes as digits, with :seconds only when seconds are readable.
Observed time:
10:07
